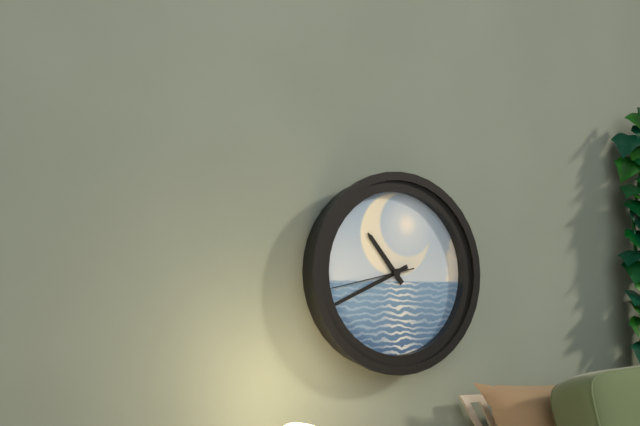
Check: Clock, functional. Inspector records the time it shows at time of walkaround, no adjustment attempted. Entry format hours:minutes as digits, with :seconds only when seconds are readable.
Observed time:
10:41:43
